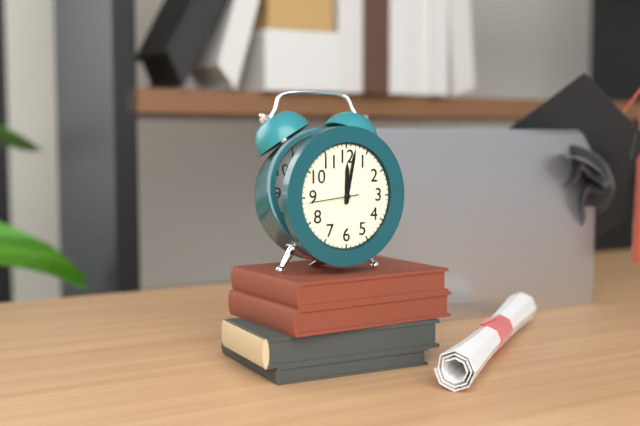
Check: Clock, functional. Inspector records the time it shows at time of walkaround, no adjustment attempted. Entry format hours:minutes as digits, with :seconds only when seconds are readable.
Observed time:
12:02:44
